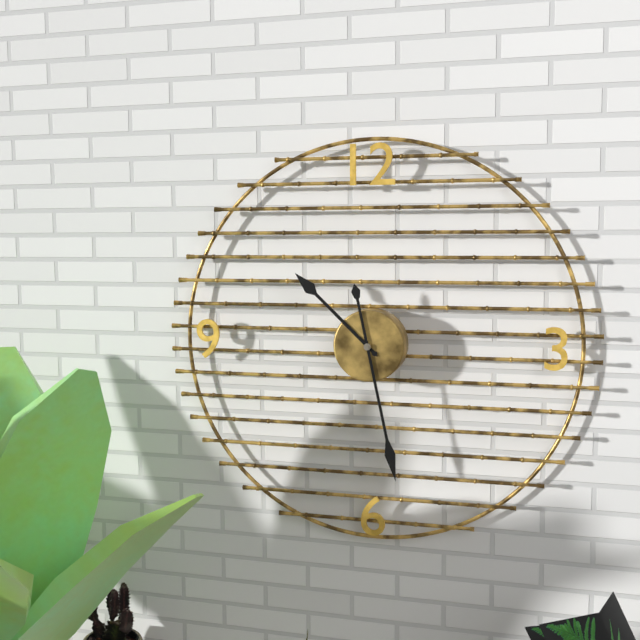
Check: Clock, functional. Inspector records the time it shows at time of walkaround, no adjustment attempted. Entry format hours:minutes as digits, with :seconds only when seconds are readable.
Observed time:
10:28
